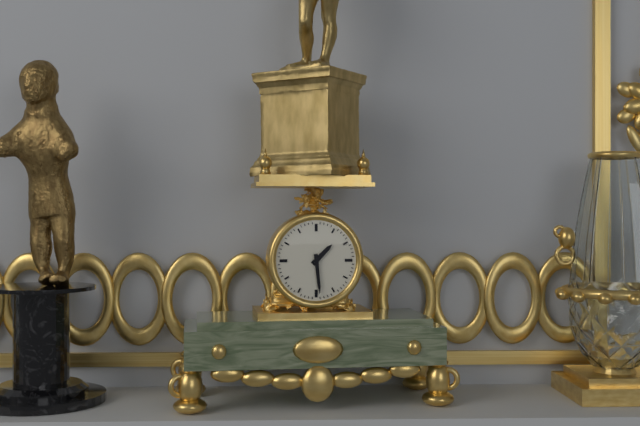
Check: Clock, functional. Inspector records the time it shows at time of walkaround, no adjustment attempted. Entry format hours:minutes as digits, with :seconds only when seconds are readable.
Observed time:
1:29
